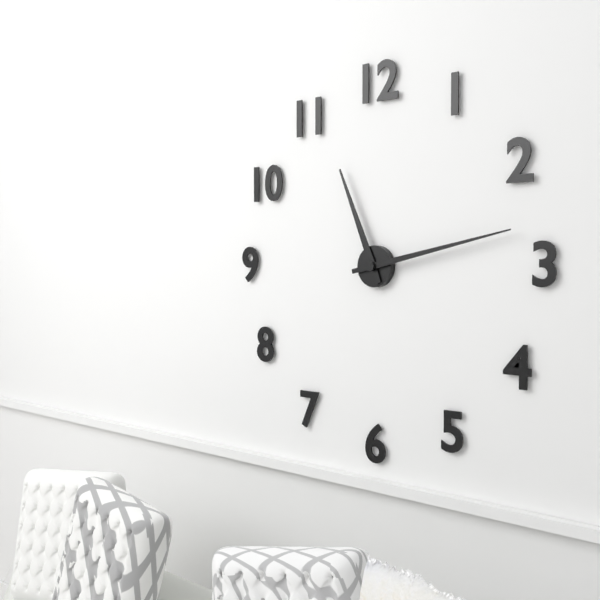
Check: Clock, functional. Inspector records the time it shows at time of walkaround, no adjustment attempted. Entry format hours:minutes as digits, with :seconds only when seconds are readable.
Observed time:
11:13
